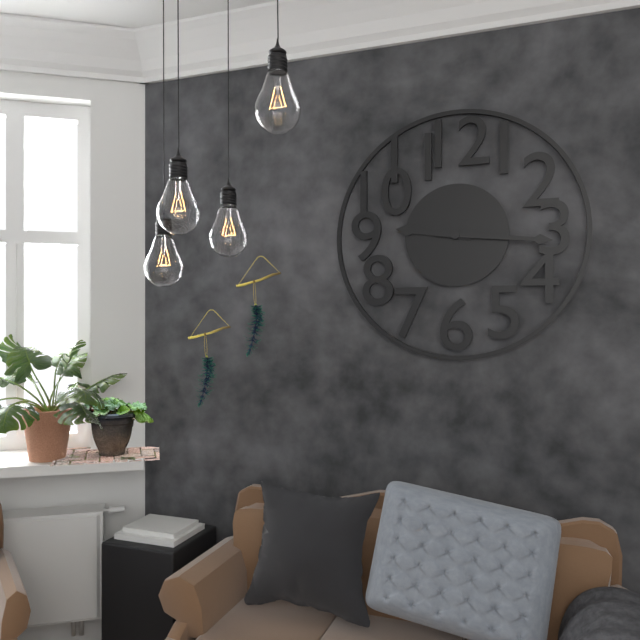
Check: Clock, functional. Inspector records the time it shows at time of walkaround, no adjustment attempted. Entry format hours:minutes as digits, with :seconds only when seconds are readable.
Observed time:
9:16
